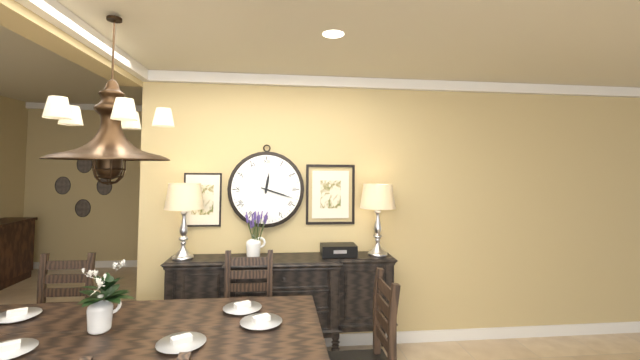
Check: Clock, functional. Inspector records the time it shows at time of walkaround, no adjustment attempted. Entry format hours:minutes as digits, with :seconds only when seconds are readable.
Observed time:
12:18
